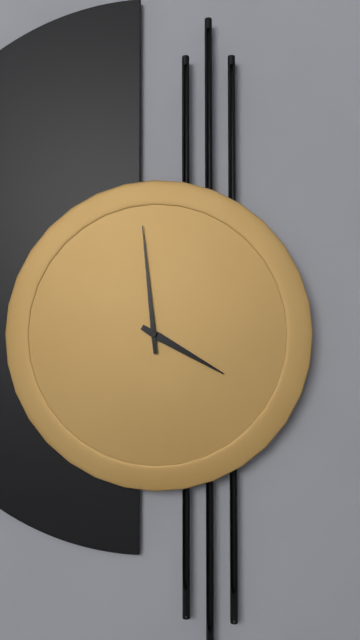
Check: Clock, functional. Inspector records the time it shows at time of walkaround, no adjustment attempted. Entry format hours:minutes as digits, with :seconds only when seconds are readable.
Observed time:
3:59
